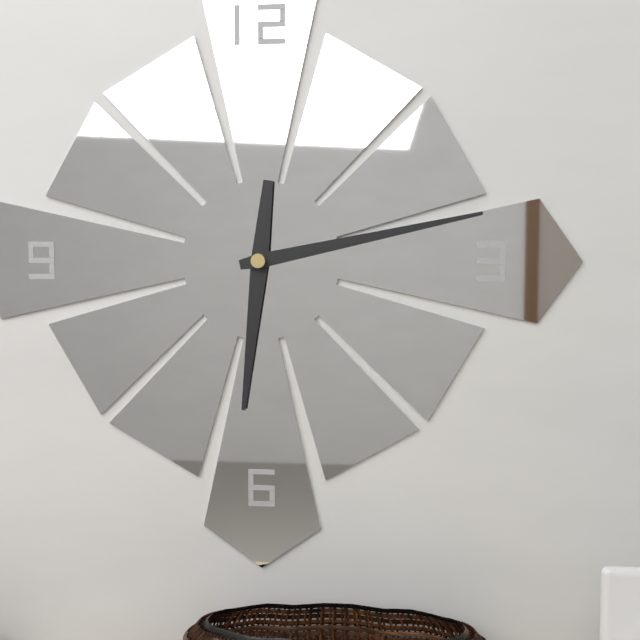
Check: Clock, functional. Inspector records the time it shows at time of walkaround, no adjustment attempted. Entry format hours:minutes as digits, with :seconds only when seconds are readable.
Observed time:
6:13
